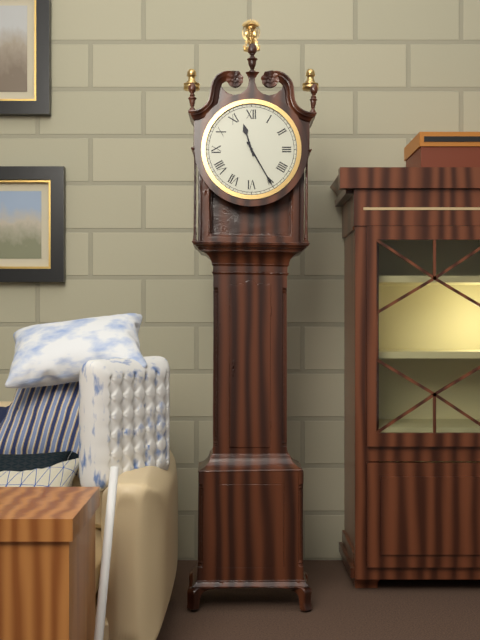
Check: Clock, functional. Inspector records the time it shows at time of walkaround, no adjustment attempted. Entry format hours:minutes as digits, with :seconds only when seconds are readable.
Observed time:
11:25
